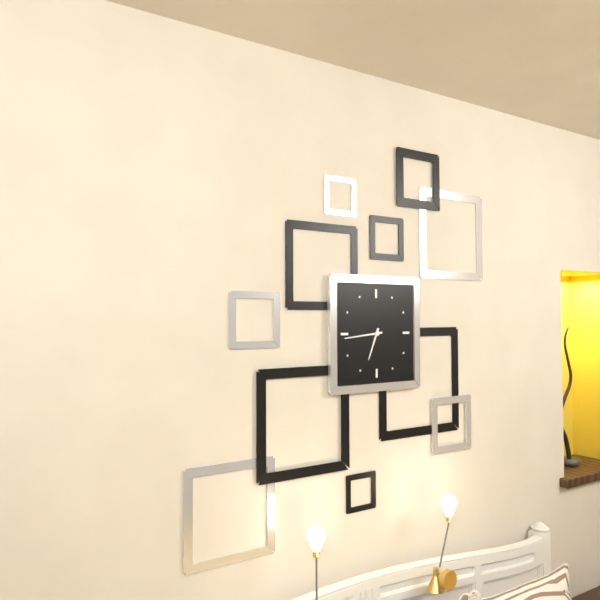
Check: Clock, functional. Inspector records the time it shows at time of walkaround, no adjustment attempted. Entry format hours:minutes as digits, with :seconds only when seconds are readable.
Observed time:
6:44
